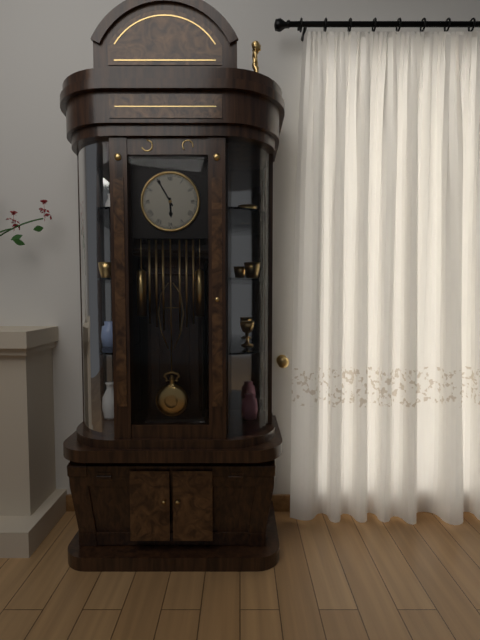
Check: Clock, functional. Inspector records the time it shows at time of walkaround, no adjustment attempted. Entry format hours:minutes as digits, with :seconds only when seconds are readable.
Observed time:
5:55
